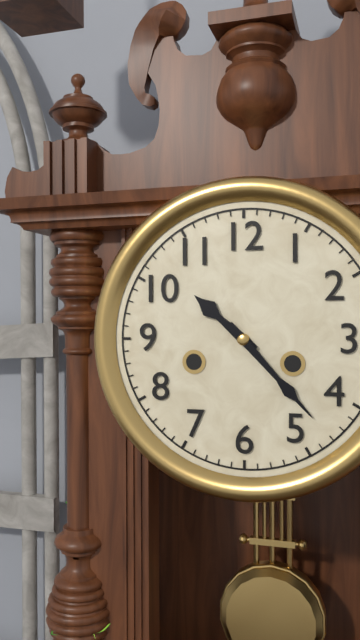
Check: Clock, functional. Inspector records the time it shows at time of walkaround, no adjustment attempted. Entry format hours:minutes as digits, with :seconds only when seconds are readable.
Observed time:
10:23
